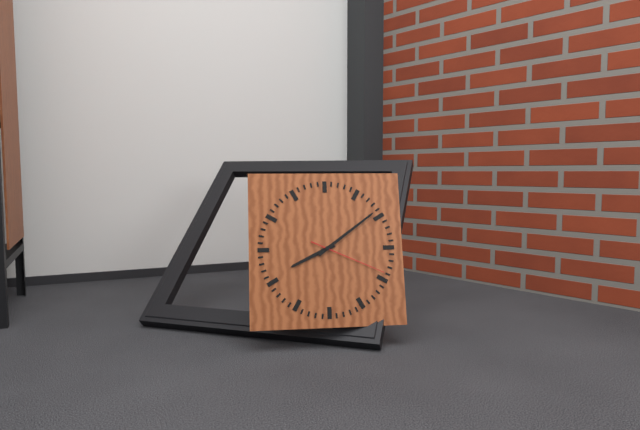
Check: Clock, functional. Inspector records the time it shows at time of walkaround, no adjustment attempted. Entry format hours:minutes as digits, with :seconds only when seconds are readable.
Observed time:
8:09:19
